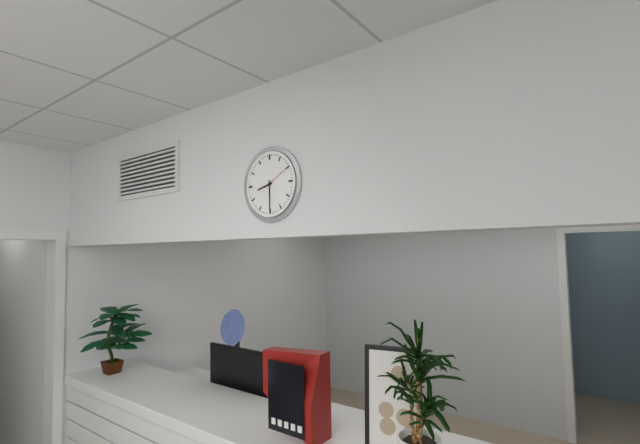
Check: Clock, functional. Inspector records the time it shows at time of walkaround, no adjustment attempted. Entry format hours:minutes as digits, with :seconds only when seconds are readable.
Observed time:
8:30
